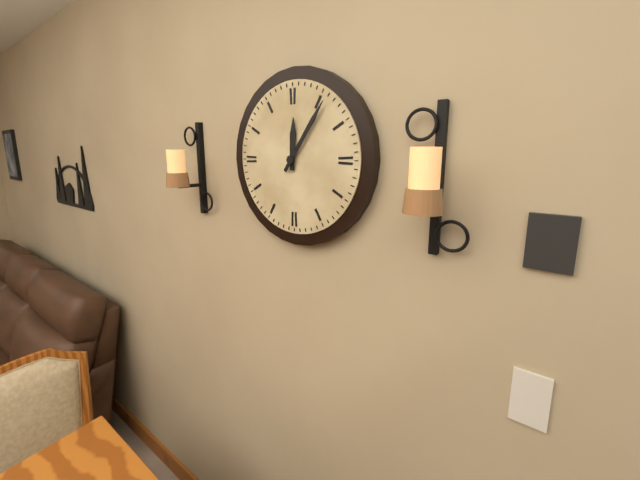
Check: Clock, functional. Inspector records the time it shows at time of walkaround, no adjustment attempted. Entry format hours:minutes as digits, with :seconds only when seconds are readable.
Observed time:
12:06
